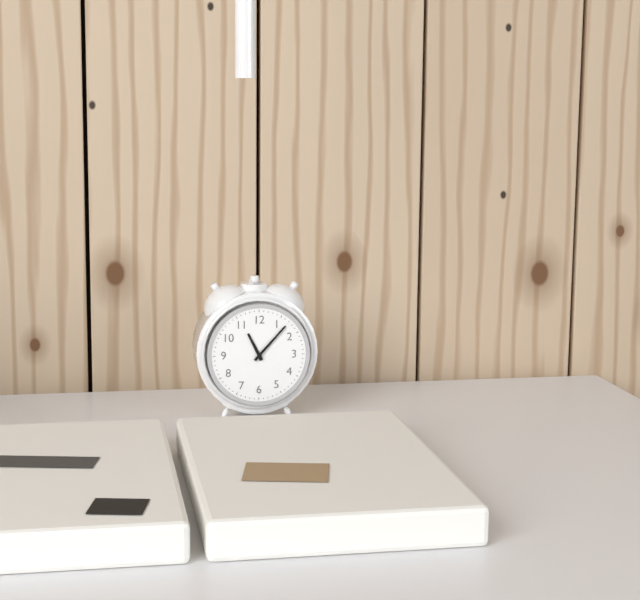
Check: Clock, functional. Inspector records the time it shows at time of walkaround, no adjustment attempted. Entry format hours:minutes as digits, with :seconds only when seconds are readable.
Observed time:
11:07
